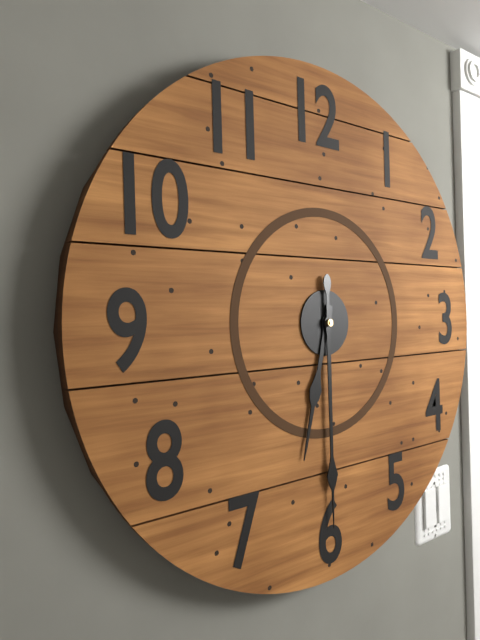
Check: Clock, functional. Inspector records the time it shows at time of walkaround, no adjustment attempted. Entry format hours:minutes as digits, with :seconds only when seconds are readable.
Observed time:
6:30
